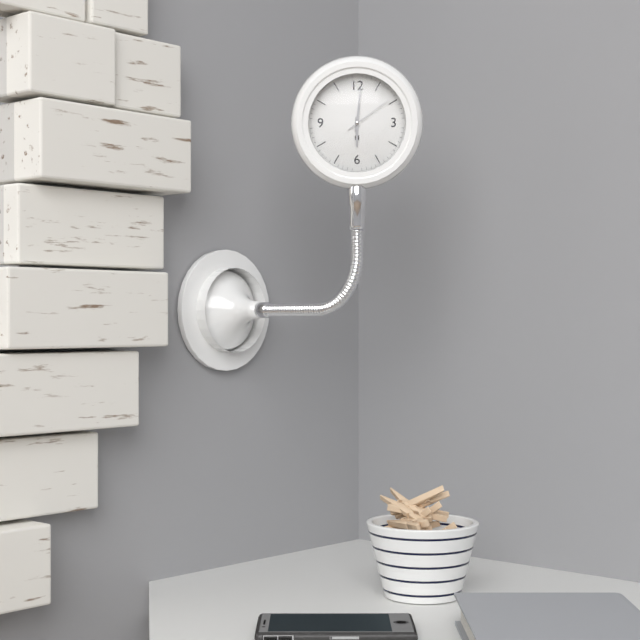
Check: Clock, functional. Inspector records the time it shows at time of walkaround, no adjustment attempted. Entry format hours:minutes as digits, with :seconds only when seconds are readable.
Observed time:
6:01
